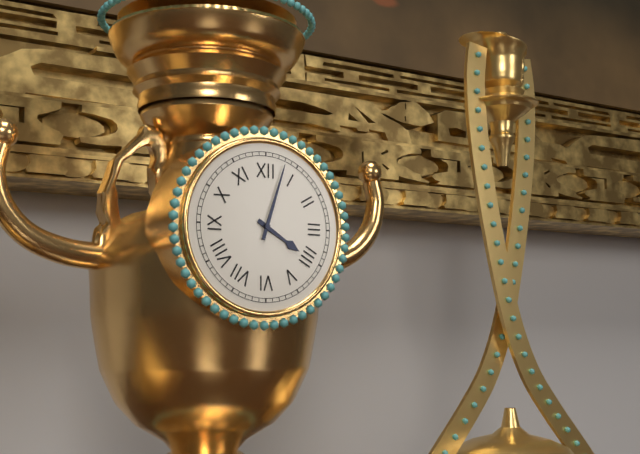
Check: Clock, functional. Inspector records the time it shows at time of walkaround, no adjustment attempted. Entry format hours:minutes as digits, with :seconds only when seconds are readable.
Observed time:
4:03
